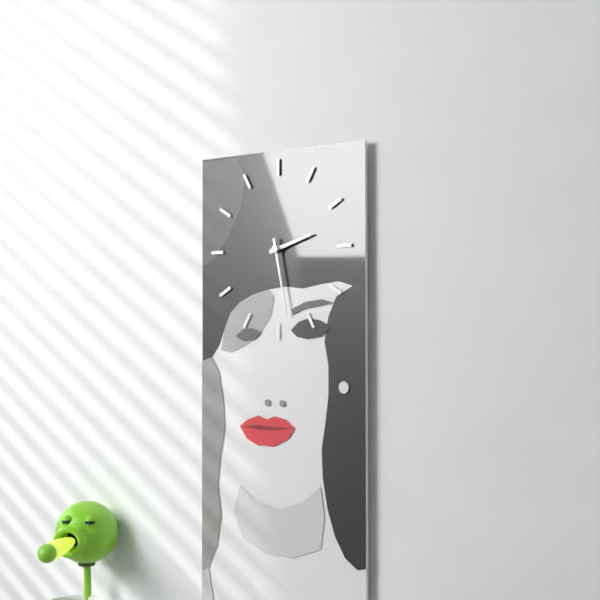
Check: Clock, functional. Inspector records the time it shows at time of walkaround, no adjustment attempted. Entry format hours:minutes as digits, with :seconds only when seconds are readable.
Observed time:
2:28
